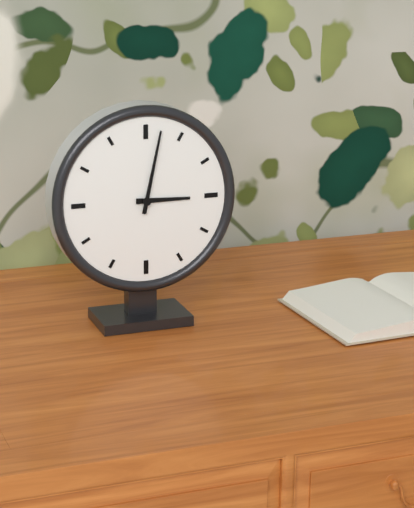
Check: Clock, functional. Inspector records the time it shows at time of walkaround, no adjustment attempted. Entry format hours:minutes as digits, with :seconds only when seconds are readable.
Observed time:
3:02
